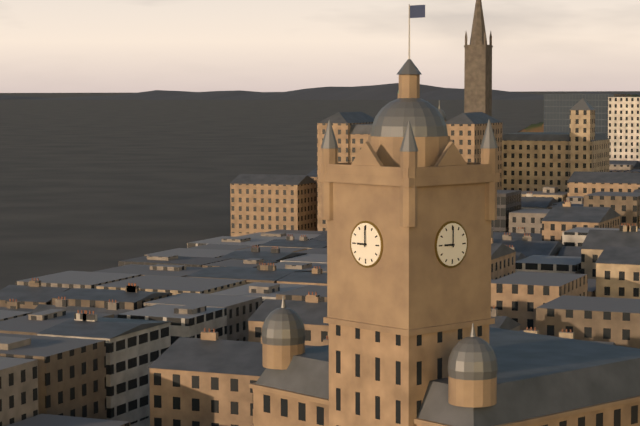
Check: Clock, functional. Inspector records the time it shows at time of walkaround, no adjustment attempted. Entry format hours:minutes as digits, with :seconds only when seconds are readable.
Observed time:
9:00
